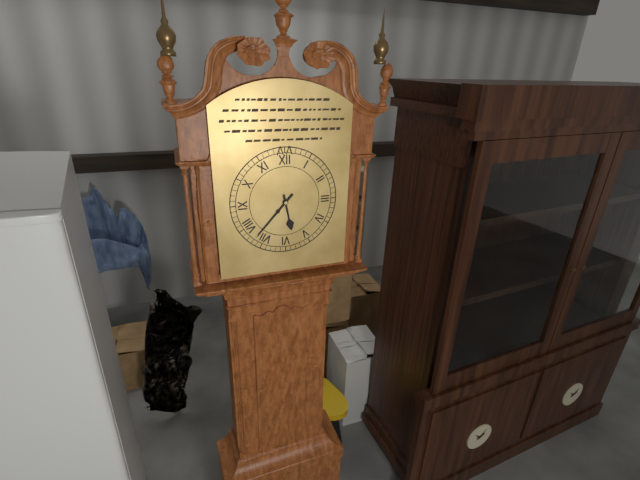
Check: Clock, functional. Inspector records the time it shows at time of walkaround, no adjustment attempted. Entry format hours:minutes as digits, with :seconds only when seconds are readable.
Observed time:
5:37
